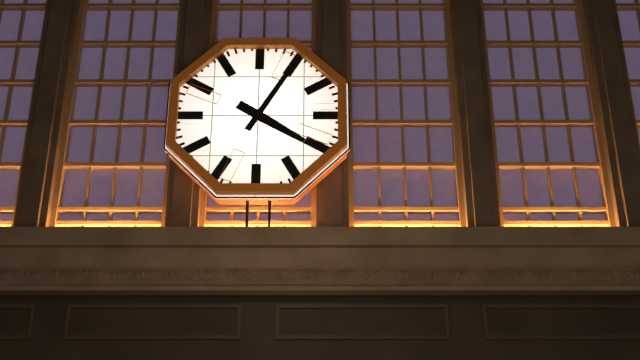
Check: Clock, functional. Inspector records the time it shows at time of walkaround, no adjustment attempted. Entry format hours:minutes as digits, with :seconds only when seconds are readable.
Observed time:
4:05
